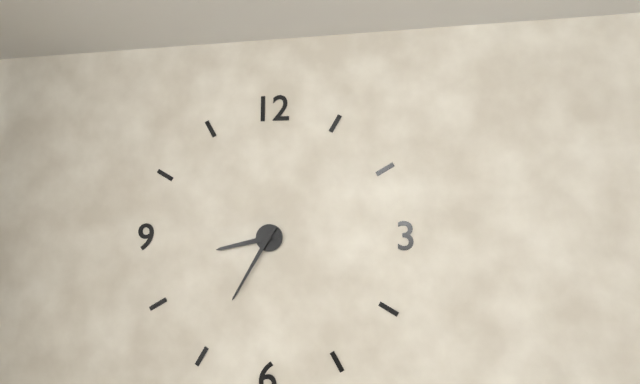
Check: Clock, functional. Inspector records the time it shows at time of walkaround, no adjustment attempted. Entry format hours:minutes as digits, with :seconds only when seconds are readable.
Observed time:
8:35
